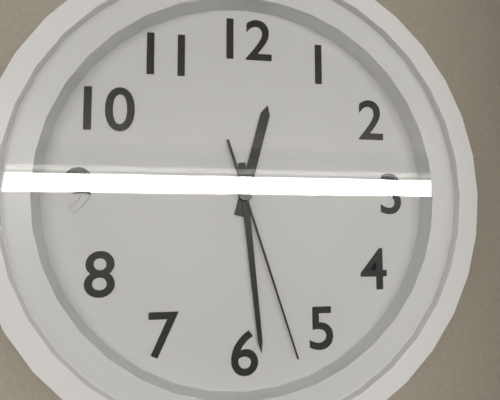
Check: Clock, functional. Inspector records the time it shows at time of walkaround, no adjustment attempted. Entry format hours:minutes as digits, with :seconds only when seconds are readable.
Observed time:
12:29:27
